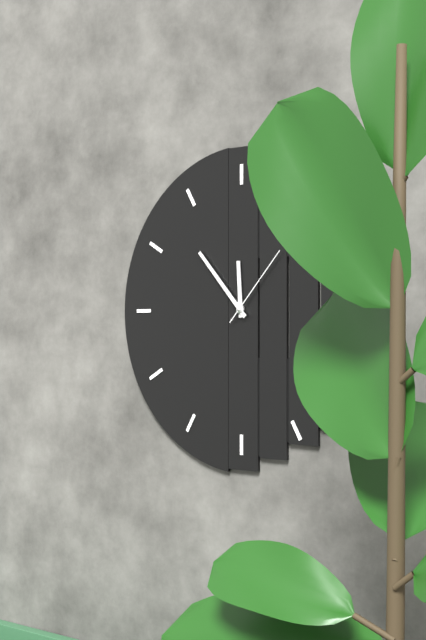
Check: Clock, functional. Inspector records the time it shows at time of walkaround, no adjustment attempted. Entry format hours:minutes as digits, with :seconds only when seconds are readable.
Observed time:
11:53:07
